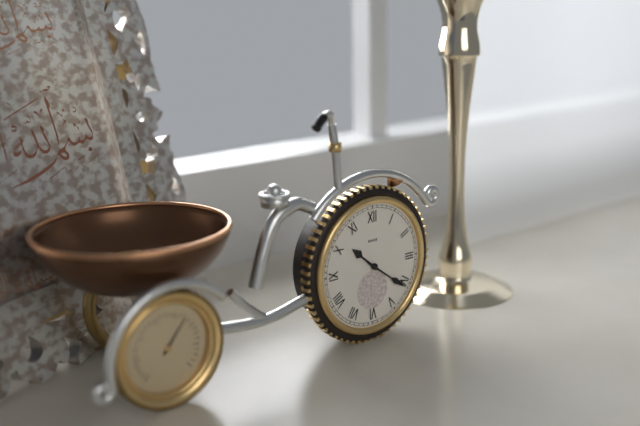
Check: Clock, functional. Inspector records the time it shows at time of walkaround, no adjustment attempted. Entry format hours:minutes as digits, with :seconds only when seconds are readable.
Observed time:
10:21
